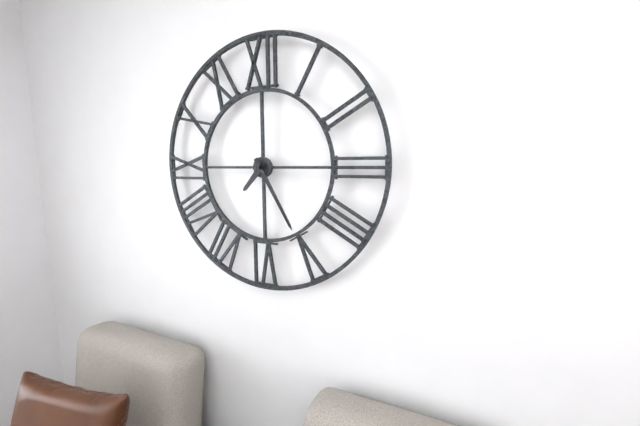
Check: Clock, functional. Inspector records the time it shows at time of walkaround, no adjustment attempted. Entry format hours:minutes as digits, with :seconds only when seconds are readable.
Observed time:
7:25
